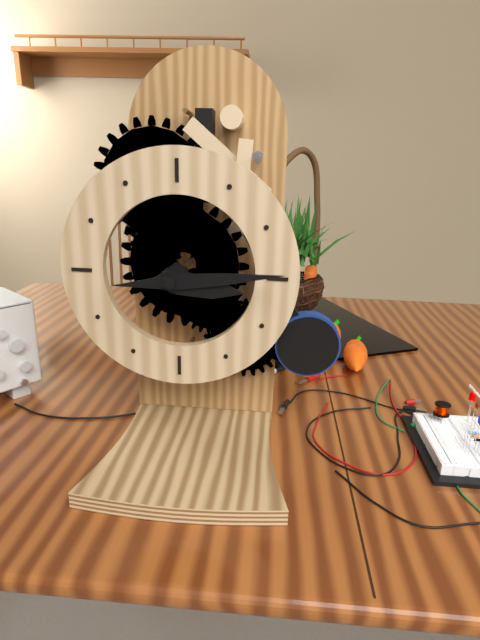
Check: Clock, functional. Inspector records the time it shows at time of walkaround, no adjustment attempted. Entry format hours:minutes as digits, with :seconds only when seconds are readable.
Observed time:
3:14
